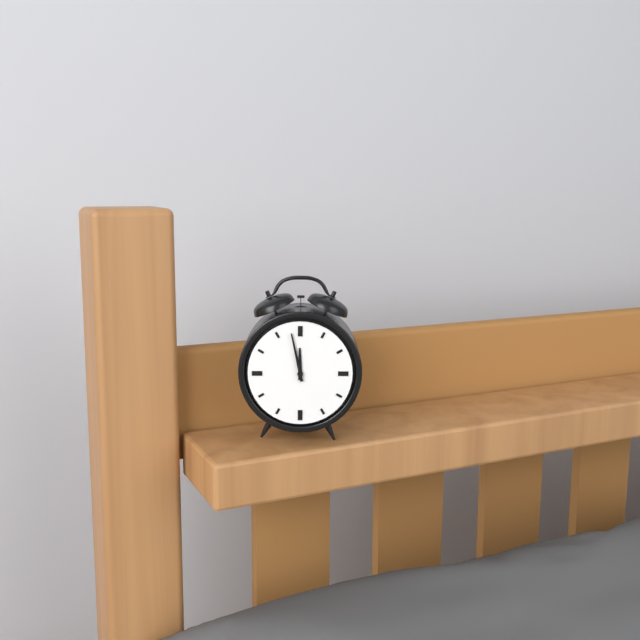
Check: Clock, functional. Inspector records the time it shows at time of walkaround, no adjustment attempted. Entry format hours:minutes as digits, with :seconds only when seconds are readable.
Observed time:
11:58
